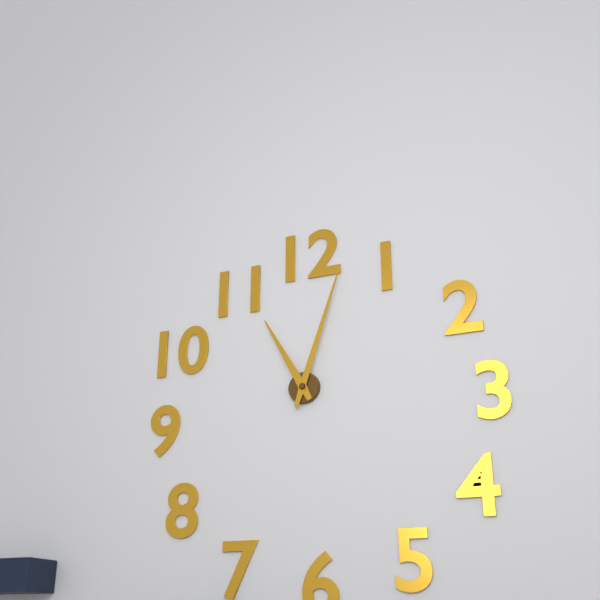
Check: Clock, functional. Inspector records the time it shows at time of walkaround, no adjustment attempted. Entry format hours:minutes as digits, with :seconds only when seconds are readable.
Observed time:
11:03
